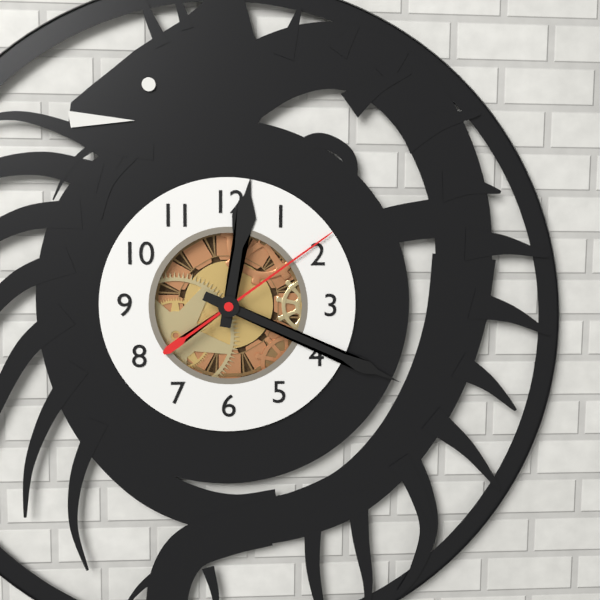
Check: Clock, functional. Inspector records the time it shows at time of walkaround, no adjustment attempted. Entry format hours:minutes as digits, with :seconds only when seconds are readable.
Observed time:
12:19:09
